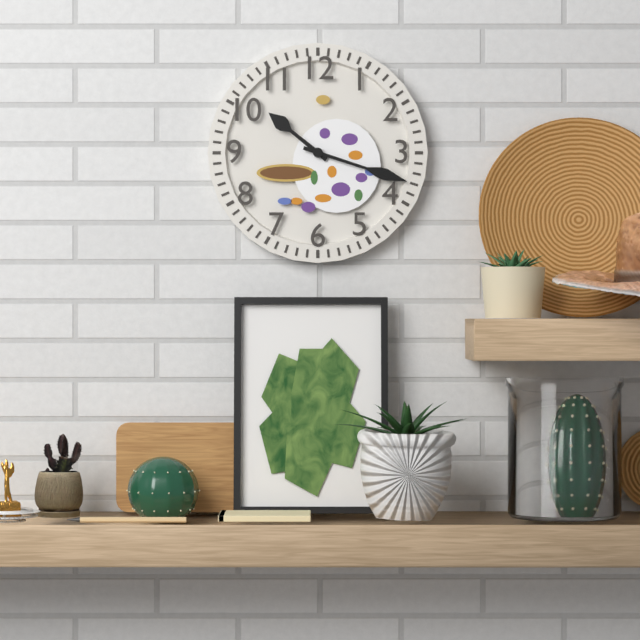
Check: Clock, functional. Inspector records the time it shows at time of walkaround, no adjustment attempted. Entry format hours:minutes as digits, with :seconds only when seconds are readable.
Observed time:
10:18
